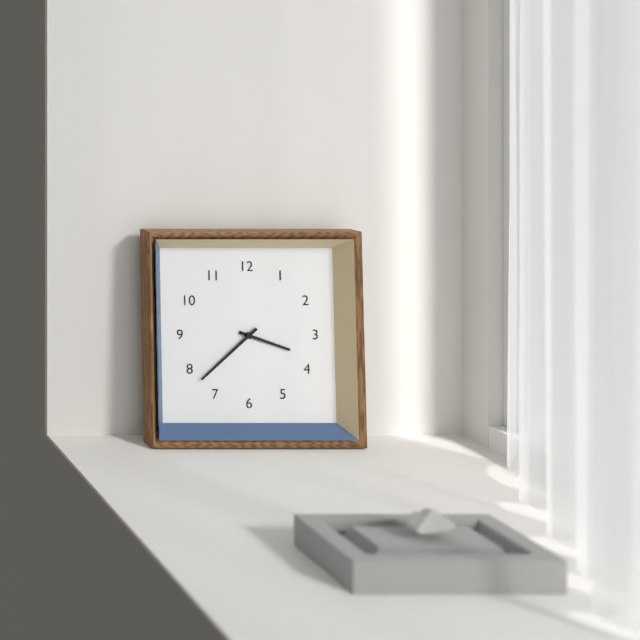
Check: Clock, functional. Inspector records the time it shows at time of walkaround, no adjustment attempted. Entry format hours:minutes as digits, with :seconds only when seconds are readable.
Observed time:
3:38
